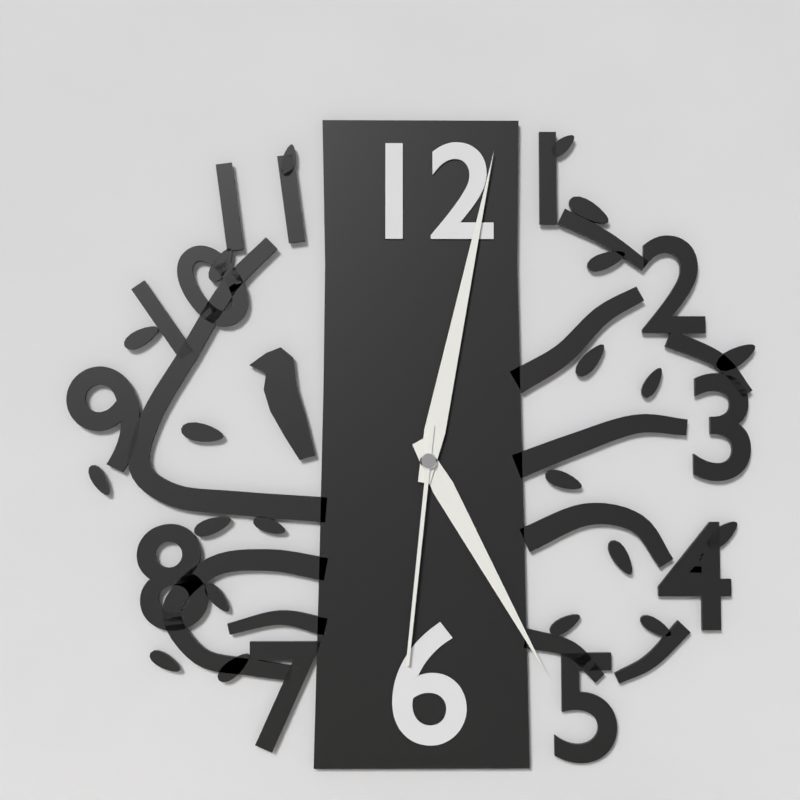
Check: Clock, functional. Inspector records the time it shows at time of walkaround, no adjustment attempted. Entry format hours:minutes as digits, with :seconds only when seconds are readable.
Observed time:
5:02:31
